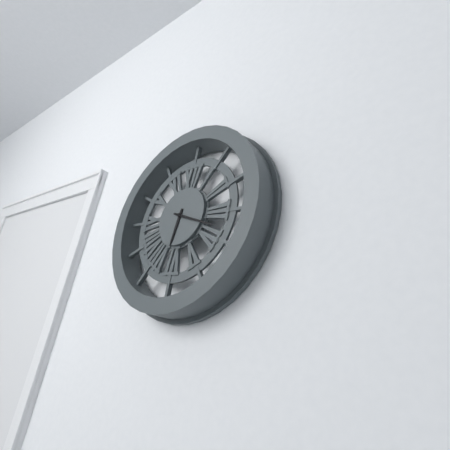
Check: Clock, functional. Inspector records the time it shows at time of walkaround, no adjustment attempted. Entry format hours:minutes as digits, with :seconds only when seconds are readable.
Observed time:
6:18
